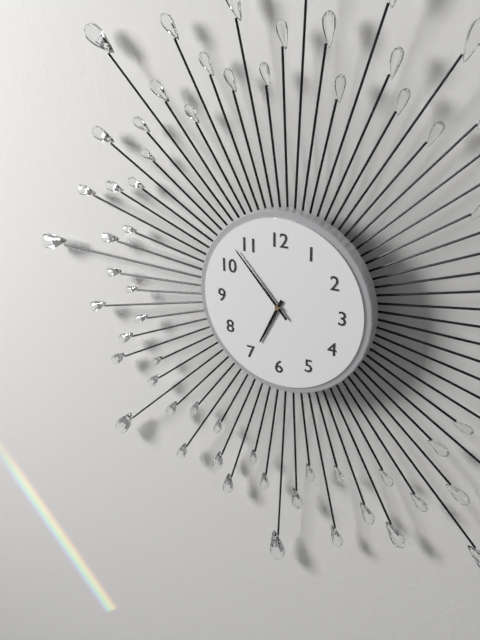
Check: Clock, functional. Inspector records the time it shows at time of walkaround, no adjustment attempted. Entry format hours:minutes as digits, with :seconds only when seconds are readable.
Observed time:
6:53
